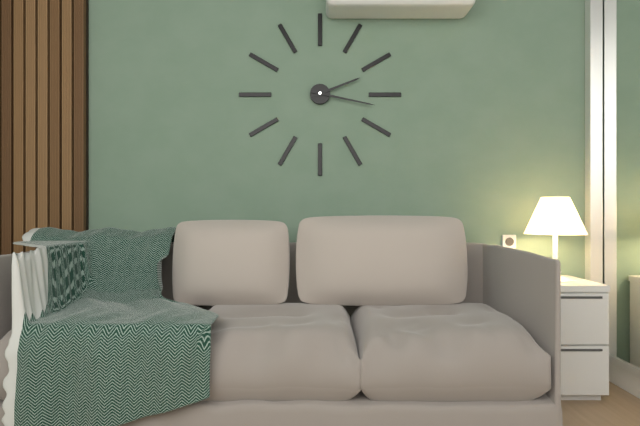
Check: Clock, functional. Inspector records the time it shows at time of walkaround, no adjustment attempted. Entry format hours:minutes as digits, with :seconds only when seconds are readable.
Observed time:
2:17
